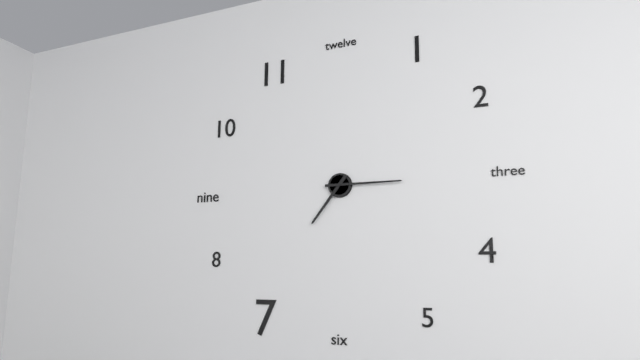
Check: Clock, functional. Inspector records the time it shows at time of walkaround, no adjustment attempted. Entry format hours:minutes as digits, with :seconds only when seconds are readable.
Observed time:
7:15
